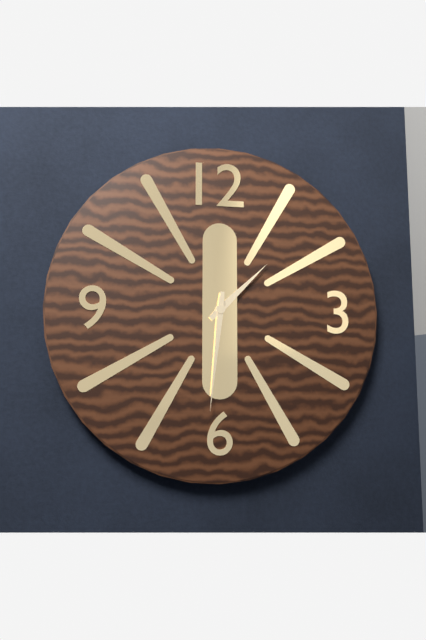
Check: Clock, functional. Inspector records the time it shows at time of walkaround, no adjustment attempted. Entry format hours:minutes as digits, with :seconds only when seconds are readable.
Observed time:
1:31
